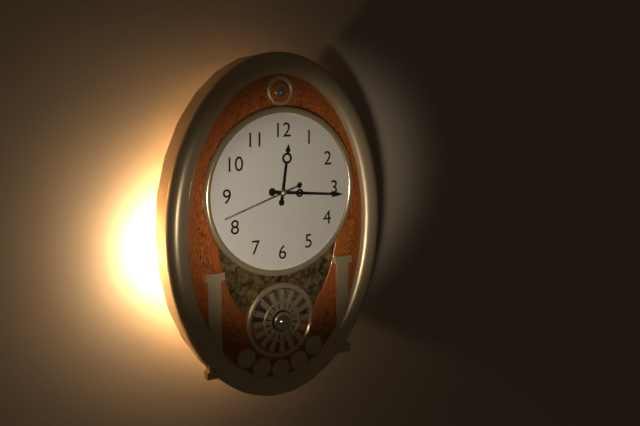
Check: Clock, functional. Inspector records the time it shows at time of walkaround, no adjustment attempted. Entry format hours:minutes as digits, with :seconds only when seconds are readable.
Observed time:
12:16:42
